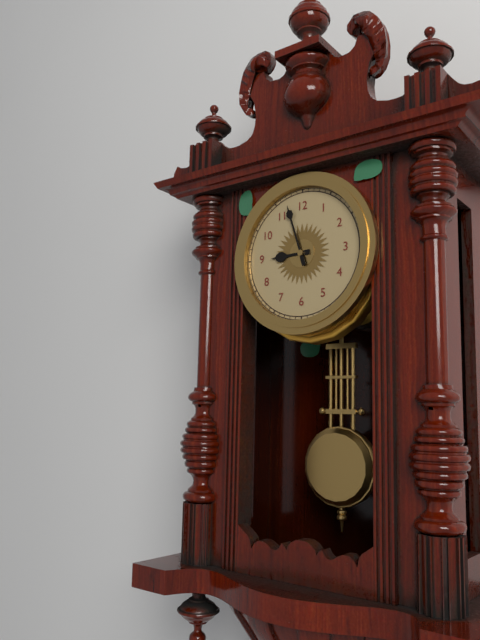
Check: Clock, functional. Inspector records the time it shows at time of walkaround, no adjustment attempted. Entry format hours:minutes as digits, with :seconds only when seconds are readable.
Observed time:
8:57
